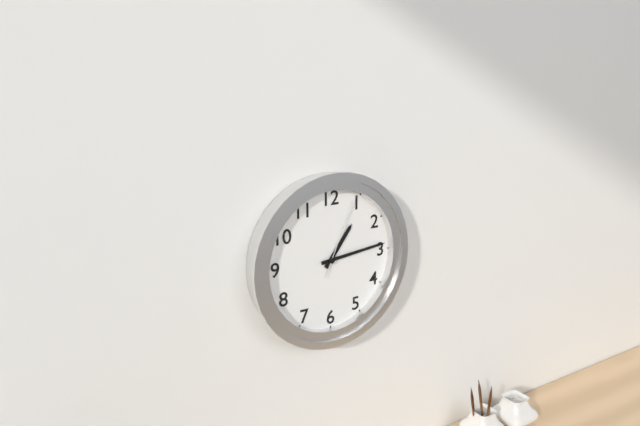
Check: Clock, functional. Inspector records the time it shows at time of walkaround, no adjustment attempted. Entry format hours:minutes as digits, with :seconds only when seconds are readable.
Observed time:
1:14:04
